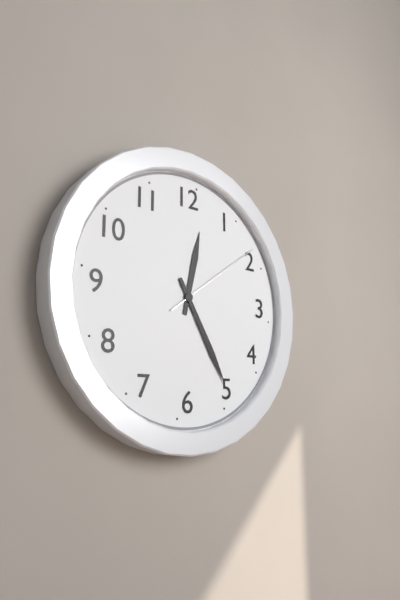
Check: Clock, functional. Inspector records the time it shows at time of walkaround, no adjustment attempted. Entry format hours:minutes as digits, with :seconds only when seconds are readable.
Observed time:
12:25:09
